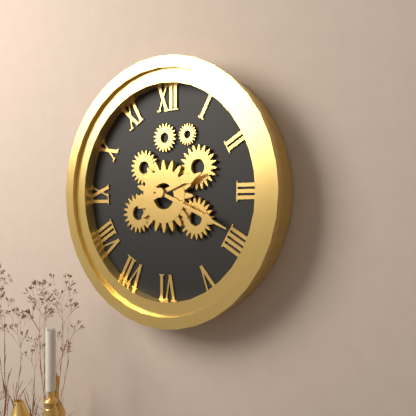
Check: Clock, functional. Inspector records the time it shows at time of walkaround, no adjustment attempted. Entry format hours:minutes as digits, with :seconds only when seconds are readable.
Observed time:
2:19
